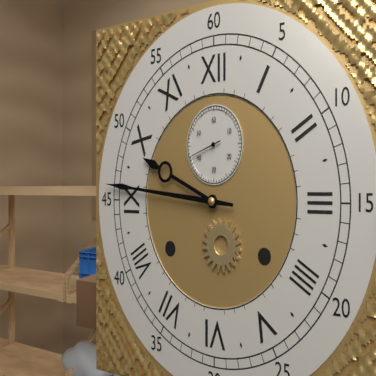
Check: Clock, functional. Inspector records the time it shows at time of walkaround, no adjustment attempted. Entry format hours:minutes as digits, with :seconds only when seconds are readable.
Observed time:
9:46
